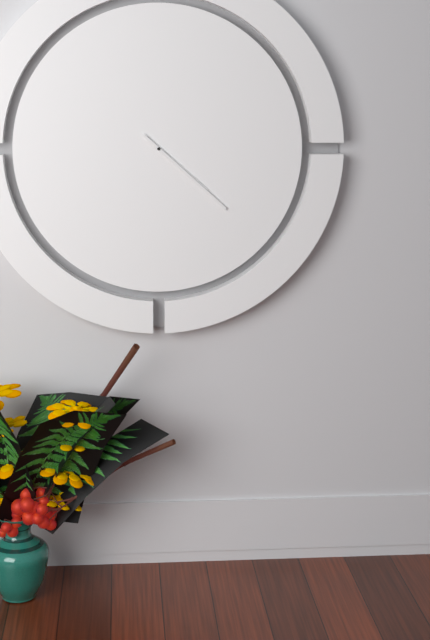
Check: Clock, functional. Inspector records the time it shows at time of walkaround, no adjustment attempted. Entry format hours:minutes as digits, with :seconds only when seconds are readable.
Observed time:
4:22
